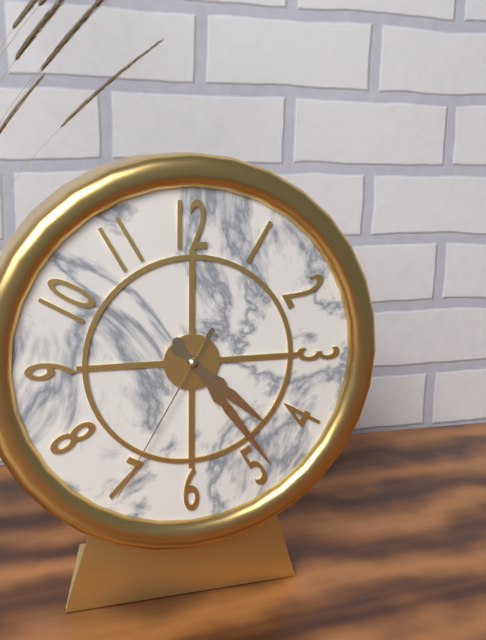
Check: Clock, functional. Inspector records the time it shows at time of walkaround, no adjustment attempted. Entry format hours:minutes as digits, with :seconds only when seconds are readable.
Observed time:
4:24:35
